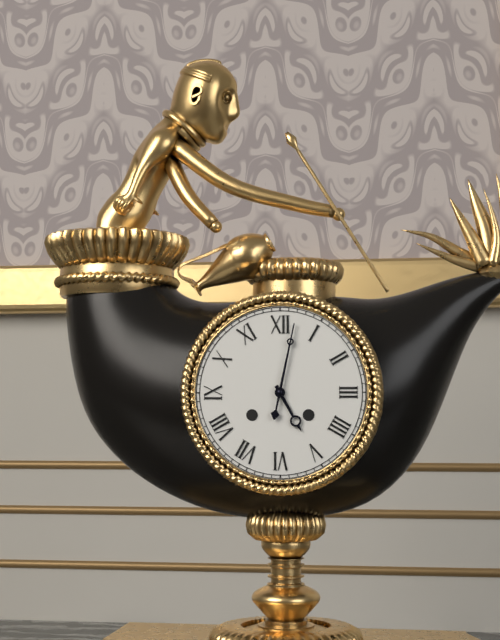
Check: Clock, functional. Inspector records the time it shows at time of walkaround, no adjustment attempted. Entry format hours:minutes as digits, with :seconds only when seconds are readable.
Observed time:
5:02
